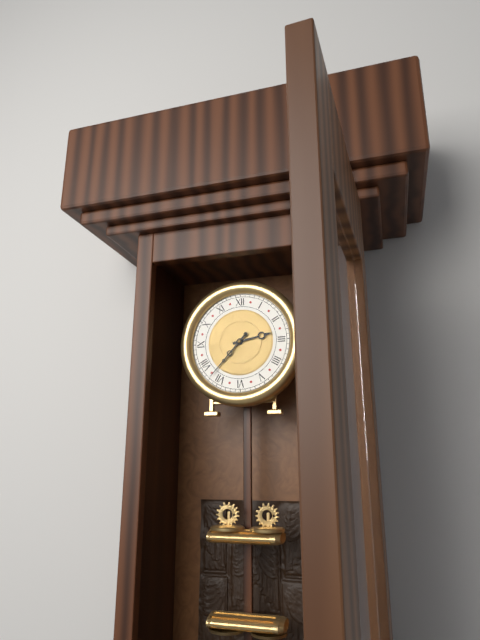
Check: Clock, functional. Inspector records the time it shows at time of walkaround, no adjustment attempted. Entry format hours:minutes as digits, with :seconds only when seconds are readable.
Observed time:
2:37
